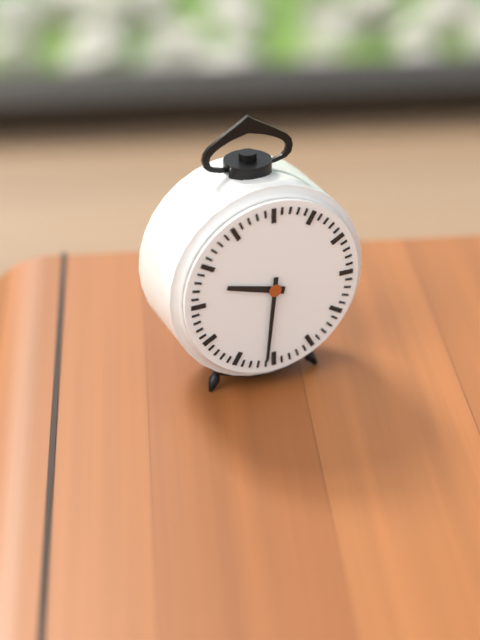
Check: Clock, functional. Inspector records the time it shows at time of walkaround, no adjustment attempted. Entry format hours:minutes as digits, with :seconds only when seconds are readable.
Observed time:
9:31
